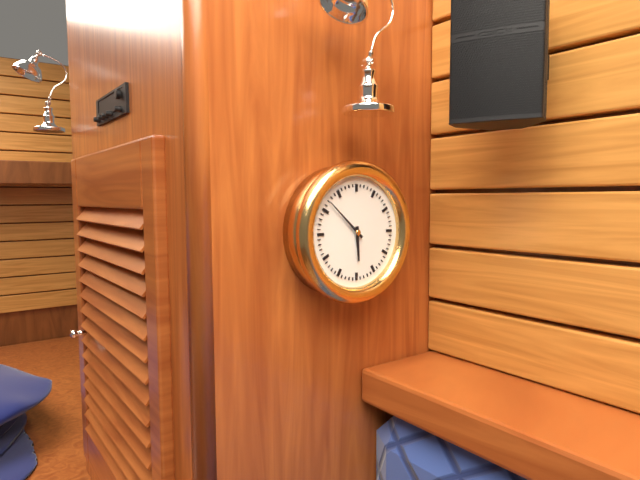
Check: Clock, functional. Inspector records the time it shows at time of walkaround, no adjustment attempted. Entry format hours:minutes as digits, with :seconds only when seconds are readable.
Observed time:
5:52
